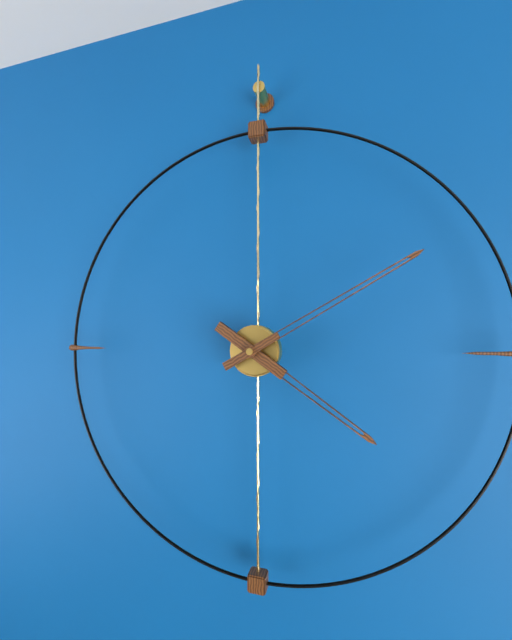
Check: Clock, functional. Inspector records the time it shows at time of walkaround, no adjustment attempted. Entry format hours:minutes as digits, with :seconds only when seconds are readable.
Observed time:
4:10
